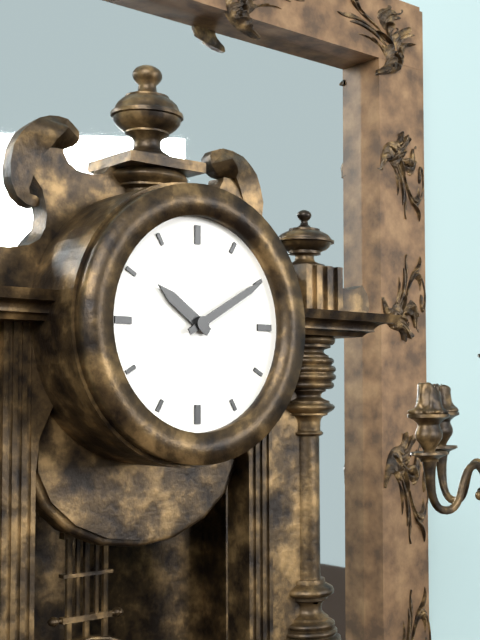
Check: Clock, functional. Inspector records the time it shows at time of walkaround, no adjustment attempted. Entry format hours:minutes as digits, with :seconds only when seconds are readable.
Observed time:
10:10
